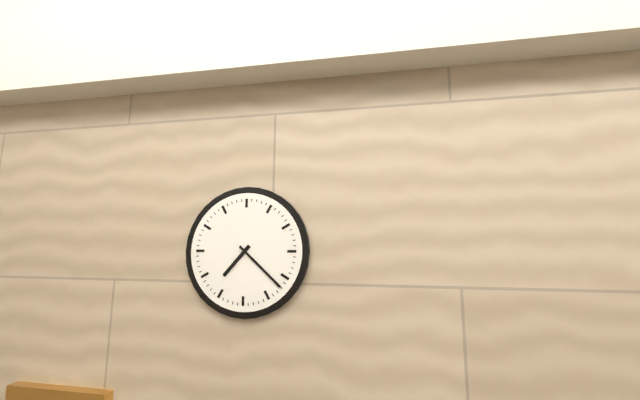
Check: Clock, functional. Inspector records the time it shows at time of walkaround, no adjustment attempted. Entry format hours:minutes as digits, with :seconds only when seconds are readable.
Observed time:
7:22
